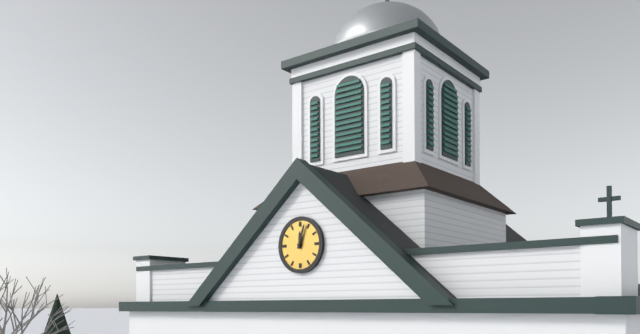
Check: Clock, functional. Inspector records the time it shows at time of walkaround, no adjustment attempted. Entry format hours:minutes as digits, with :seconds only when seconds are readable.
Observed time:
12:03
